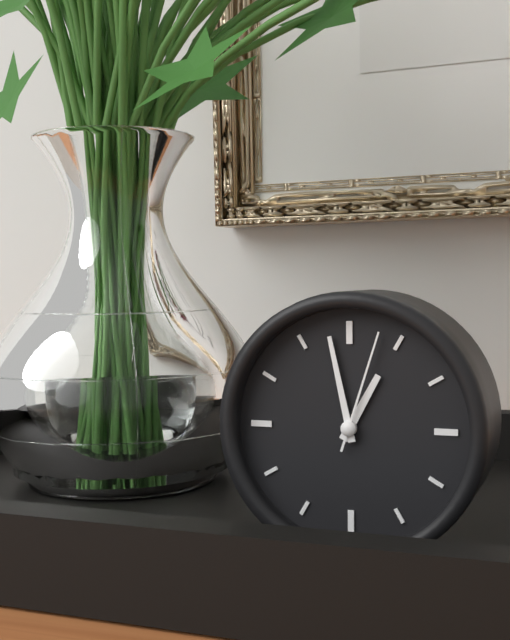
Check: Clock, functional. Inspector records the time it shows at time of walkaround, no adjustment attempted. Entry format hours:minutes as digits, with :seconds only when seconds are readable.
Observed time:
12:58:03
